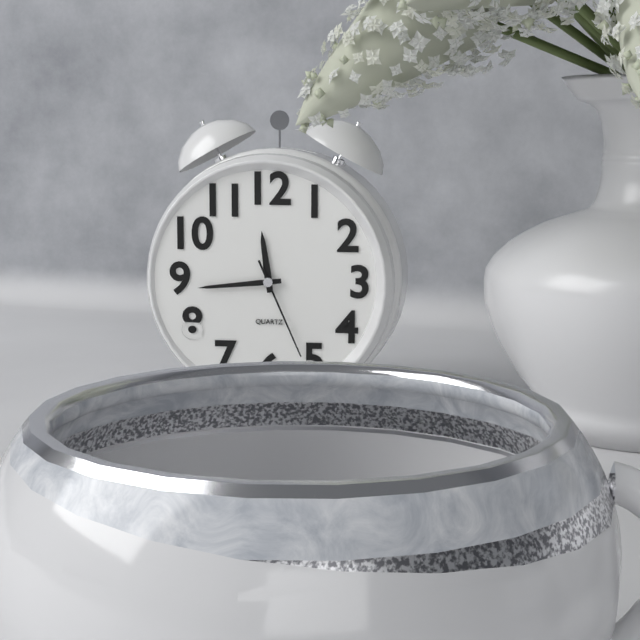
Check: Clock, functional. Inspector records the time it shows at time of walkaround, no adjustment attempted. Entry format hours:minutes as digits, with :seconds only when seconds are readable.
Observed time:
11:44:26
